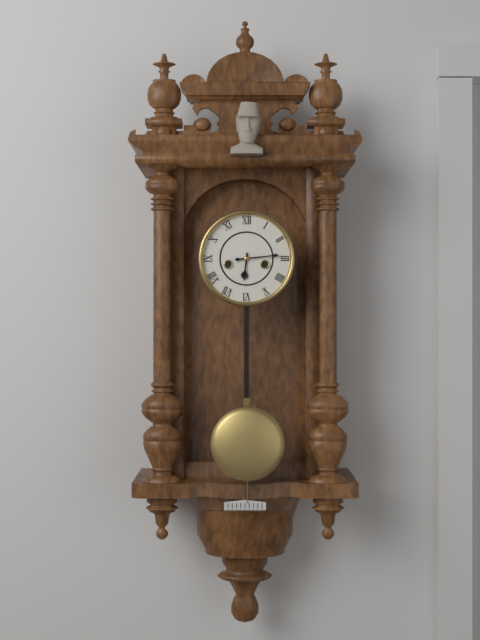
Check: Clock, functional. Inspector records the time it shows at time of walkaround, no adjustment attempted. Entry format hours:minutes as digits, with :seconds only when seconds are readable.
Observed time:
6:14
